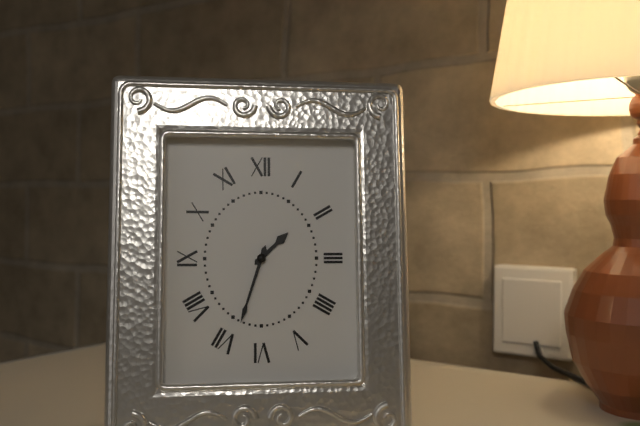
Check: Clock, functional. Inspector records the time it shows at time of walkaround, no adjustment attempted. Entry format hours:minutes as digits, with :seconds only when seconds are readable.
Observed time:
1:33
